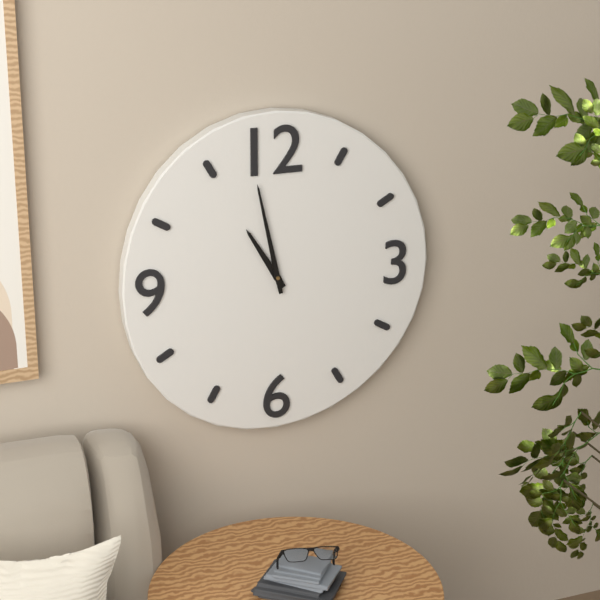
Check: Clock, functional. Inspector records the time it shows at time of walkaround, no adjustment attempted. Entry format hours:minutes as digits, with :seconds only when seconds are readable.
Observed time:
10:58
